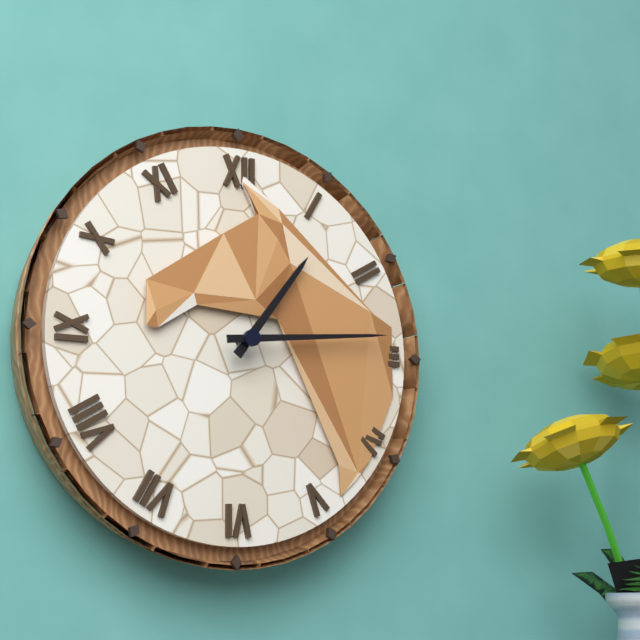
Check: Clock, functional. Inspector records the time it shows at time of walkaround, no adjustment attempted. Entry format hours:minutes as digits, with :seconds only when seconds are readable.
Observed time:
1:14
